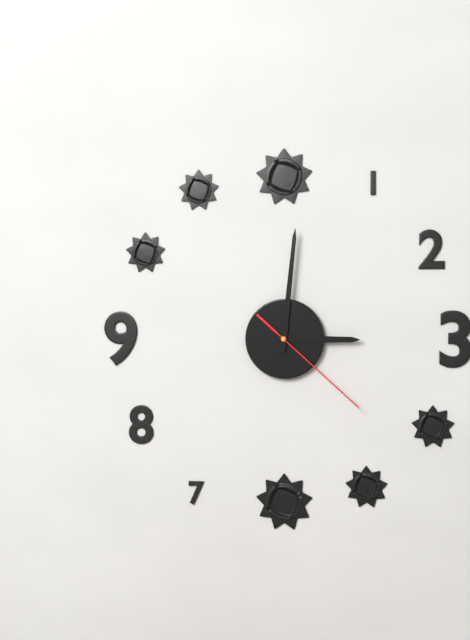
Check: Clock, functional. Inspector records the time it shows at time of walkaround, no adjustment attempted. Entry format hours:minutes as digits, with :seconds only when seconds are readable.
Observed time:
3:01:22
